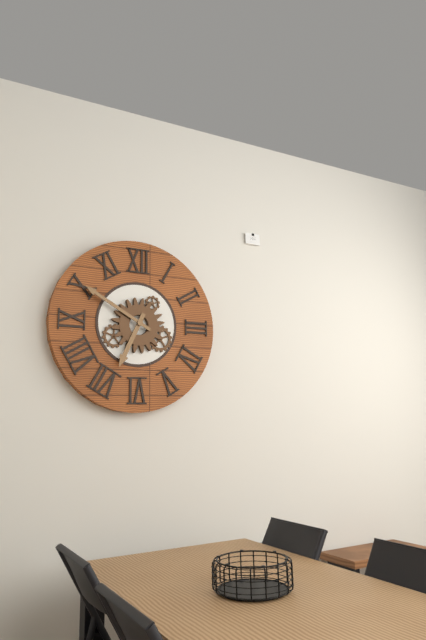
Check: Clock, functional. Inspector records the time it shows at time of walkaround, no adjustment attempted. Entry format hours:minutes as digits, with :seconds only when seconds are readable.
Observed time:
6:50
